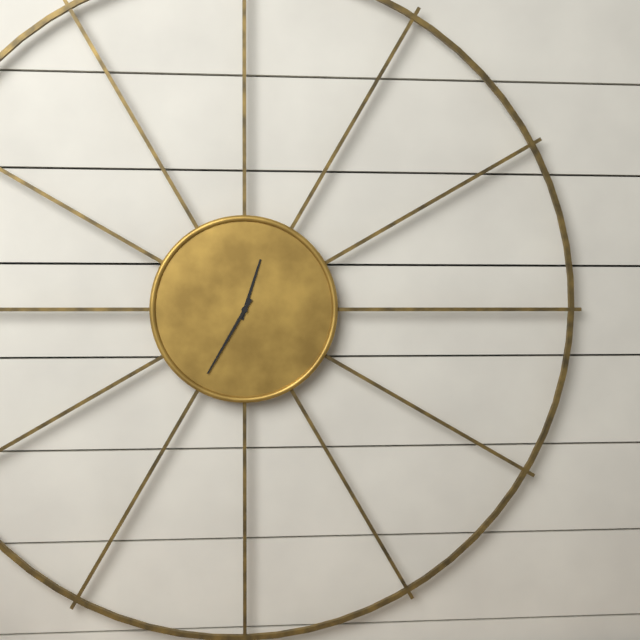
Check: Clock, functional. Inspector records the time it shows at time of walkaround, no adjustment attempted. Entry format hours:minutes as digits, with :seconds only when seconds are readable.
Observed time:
12:35
